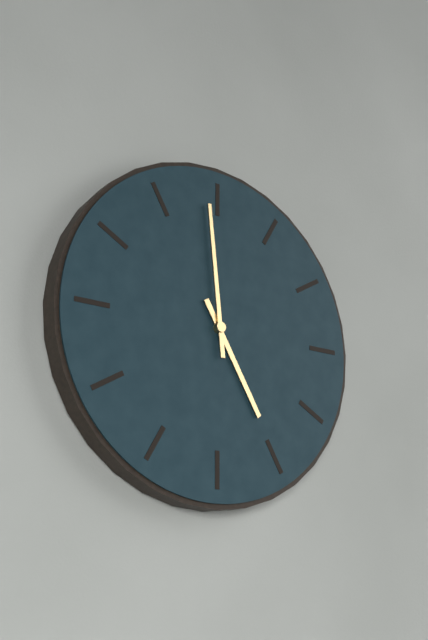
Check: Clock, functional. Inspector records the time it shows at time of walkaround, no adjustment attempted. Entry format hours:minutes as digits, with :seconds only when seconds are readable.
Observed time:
4:59
